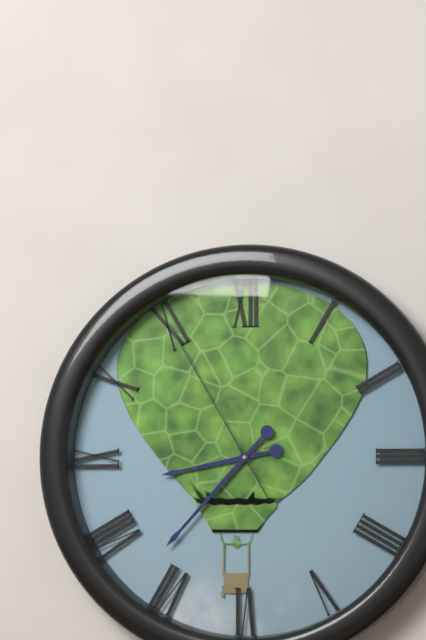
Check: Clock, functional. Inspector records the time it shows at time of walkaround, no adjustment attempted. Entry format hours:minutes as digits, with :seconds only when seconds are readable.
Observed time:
8:37:55
